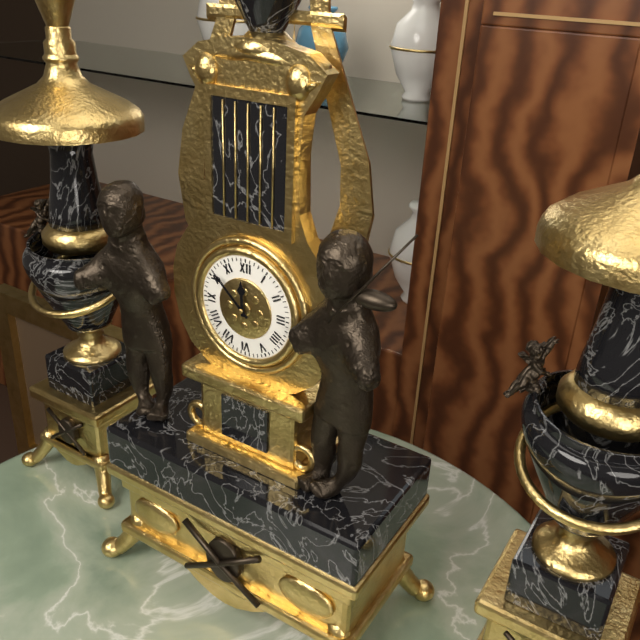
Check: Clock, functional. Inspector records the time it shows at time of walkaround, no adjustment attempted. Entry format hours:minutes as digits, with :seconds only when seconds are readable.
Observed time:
11:52
